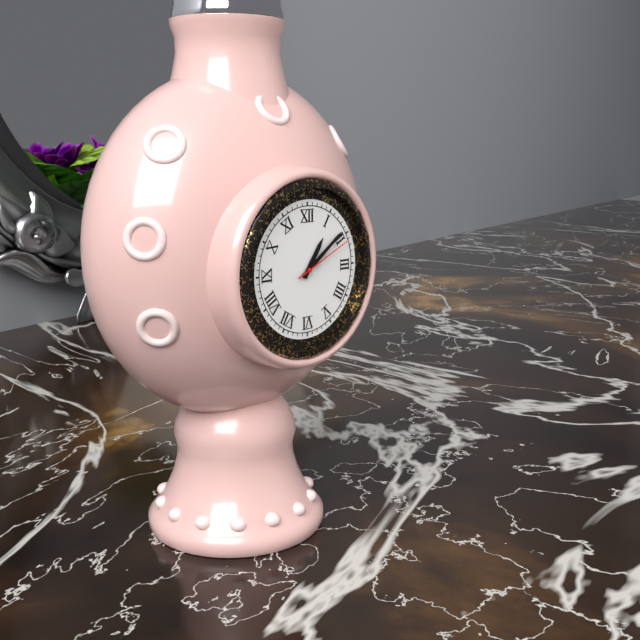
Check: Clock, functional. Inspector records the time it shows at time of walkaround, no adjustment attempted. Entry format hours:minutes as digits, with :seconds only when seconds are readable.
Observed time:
1:09:11
